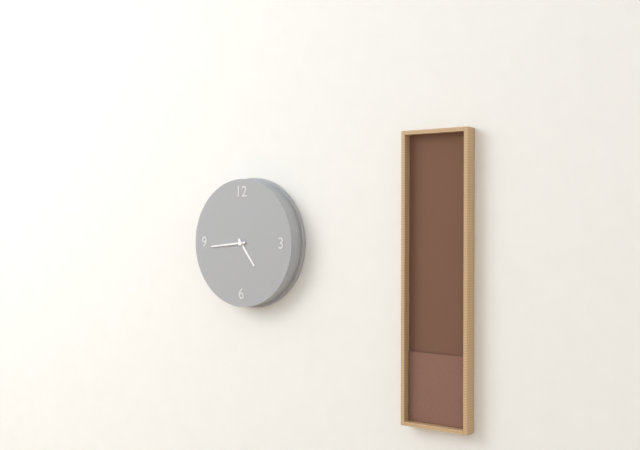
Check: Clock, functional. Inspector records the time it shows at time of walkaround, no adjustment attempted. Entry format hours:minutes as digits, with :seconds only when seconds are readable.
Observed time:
4:44
